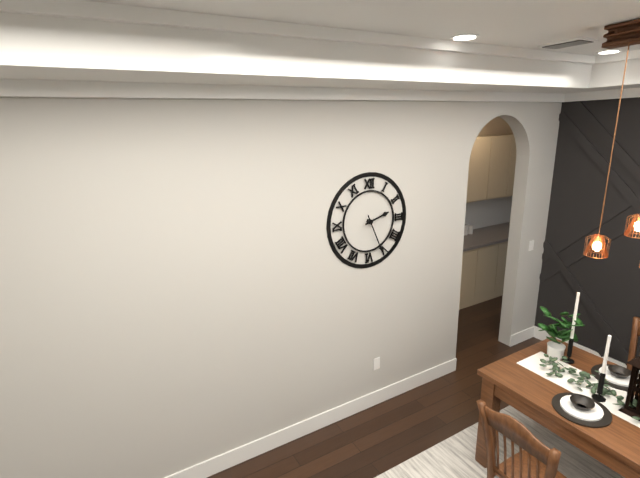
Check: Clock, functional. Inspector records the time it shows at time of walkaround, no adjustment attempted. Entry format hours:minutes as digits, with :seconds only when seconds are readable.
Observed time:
2:26
